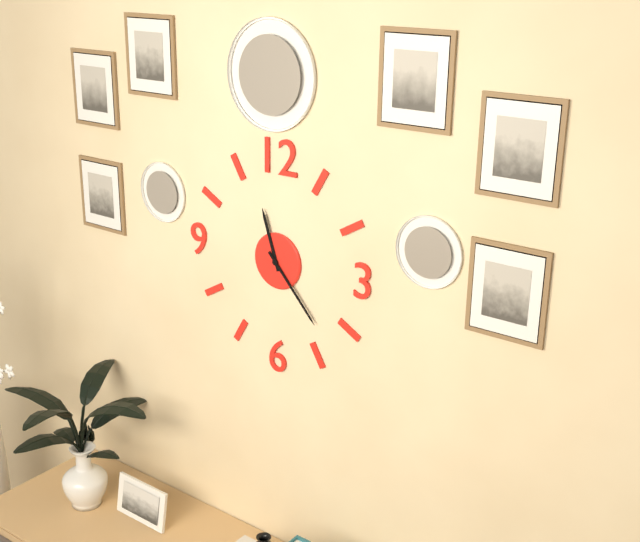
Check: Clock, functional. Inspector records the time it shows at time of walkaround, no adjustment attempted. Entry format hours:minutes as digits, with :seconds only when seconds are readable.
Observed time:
11:23
